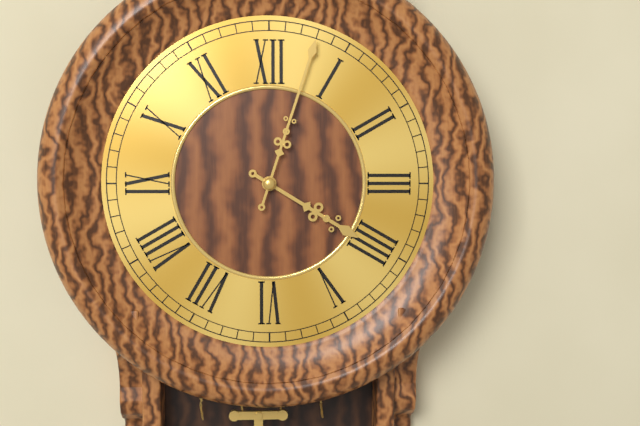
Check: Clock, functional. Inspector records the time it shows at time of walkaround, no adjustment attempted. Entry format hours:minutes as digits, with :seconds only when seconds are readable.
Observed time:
4:03
